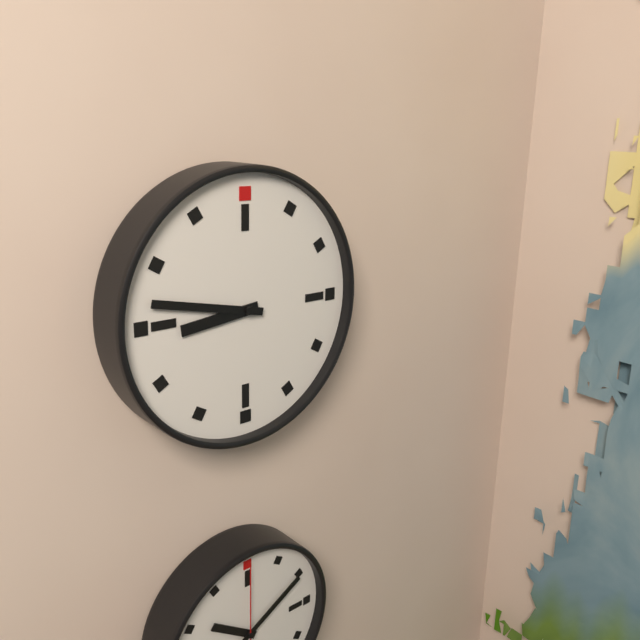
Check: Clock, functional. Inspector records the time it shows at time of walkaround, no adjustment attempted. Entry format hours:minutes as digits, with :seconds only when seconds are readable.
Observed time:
8:47
